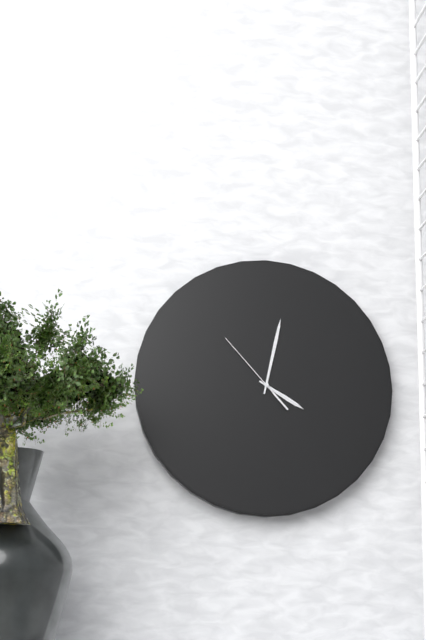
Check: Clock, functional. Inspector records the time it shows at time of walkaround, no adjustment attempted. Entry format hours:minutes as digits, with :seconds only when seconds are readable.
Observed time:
4:02:53
